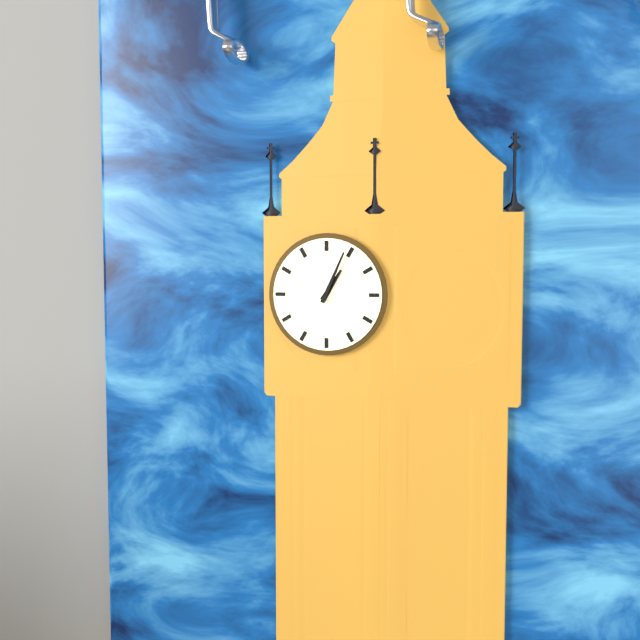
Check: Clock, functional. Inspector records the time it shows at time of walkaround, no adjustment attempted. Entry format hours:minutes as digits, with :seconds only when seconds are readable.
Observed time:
1:04
